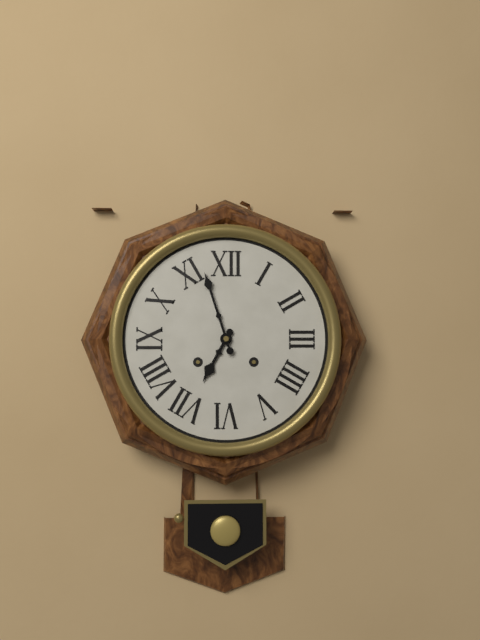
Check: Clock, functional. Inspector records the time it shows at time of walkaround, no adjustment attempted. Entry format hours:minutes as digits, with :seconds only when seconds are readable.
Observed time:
6:57
